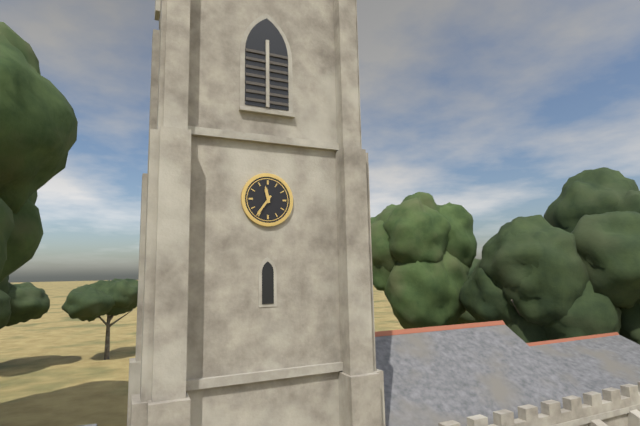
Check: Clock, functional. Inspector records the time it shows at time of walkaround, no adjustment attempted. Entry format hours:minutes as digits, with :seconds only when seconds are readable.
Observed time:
11:36
